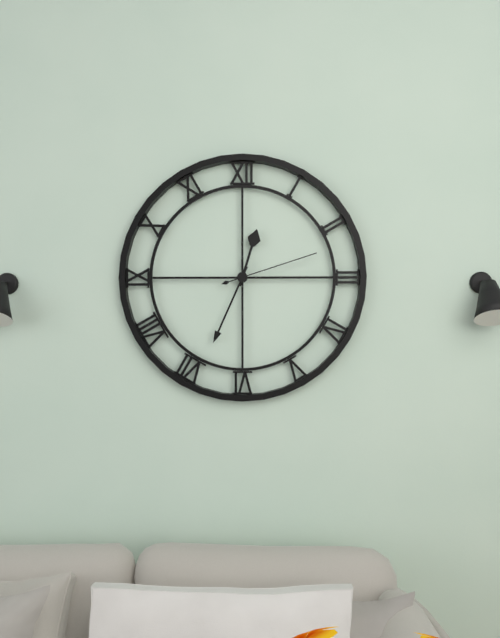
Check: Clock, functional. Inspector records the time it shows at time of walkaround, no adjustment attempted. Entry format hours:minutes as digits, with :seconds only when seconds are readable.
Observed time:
12:34:12
